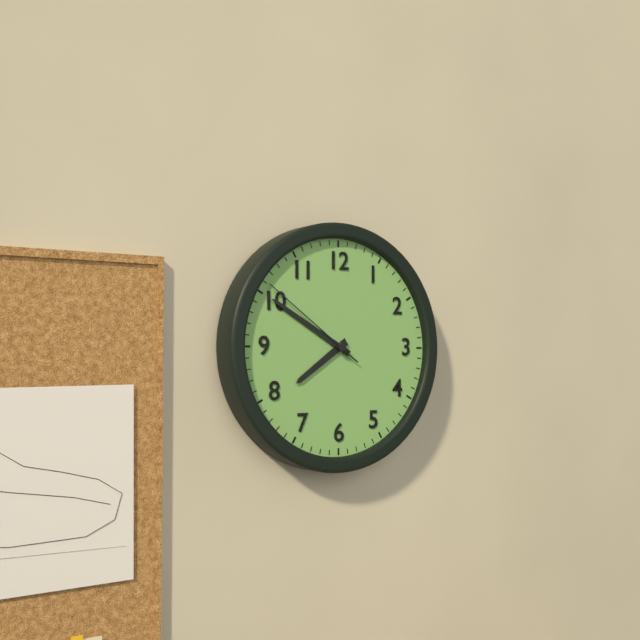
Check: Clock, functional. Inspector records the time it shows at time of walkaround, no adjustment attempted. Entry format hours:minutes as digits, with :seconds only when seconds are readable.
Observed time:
7:50:51
